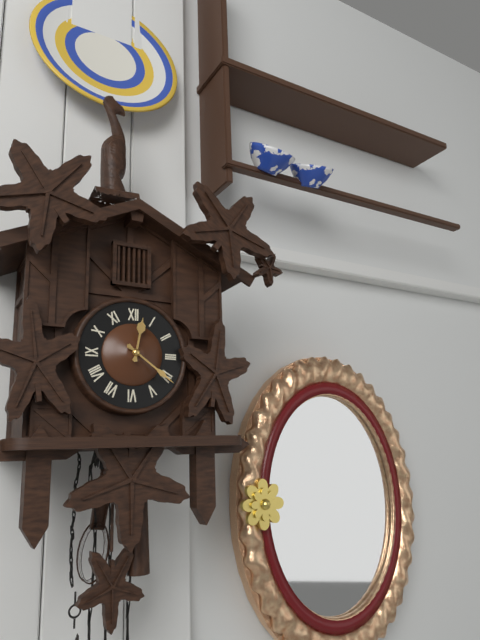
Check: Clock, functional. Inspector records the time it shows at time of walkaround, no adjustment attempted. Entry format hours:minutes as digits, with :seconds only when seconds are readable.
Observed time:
12:21
